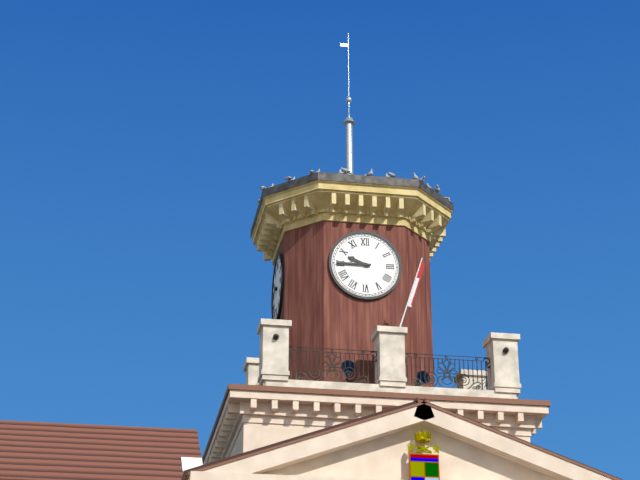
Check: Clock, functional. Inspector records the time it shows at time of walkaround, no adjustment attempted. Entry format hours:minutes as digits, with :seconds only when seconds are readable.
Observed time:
9:45
